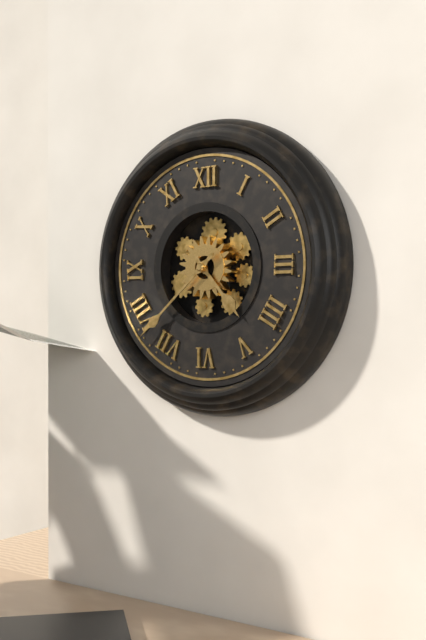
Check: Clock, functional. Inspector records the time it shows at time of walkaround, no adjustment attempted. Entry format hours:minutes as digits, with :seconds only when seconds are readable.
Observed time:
4:38
